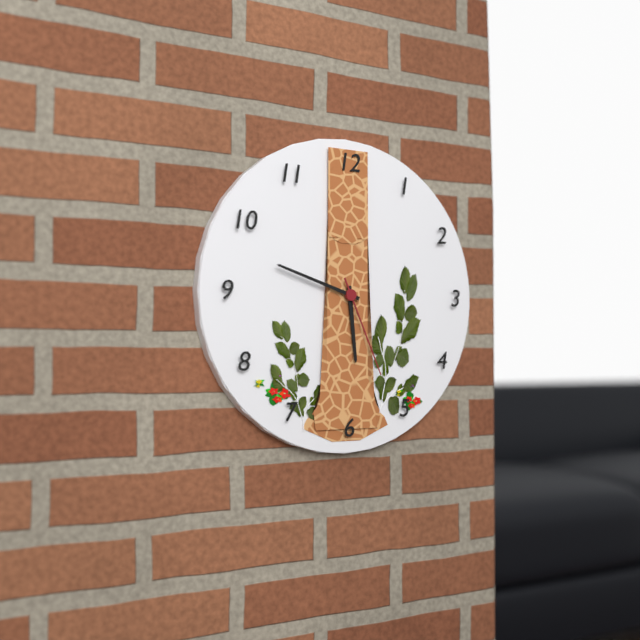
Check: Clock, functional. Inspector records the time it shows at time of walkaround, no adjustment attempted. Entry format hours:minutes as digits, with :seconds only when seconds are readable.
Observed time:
5:48:26
